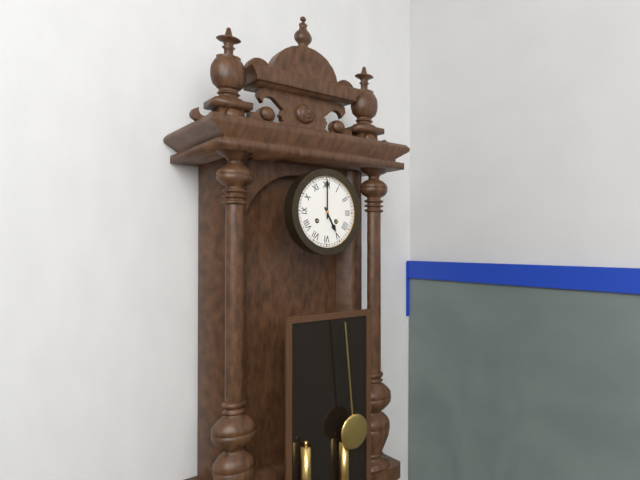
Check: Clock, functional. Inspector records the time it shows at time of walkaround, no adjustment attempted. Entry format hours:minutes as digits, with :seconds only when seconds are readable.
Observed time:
5:00
